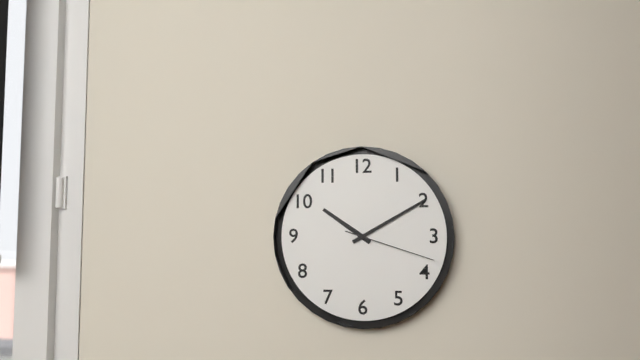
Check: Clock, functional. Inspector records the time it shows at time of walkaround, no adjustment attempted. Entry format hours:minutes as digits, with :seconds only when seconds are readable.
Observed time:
10:10:18
